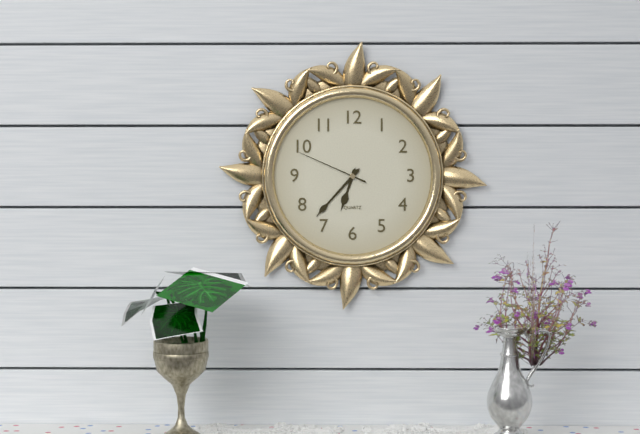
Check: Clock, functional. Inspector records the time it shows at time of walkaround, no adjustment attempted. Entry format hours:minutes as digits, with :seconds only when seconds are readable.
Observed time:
6:37:49
